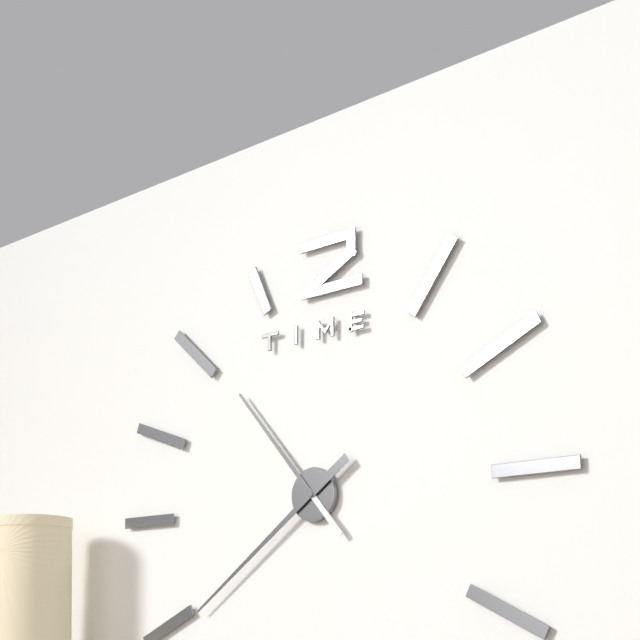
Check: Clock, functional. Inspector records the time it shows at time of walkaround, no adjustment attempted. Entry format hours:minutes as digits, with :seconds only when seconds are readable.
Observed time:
10:39
